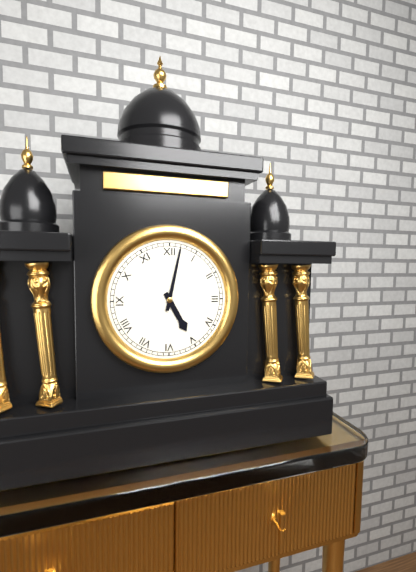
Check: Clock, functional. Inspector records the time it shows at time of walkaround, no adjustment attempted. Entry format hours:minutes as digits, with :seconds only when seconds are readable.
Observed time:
5:02
